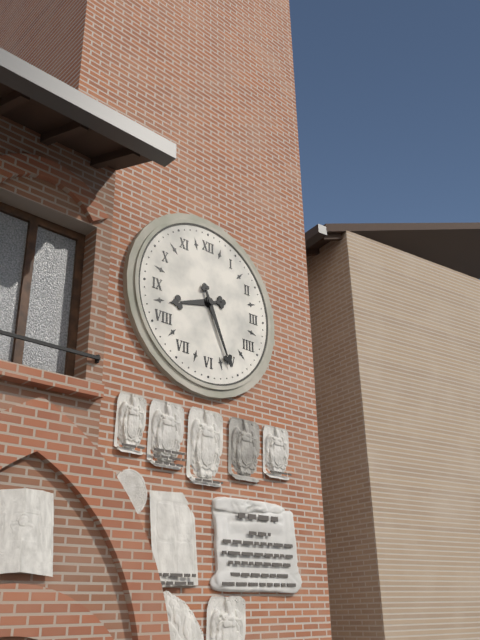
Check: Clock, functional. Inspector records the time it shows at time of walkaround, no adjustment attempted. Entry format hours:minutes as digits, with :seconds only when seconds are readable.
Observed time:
8:26
